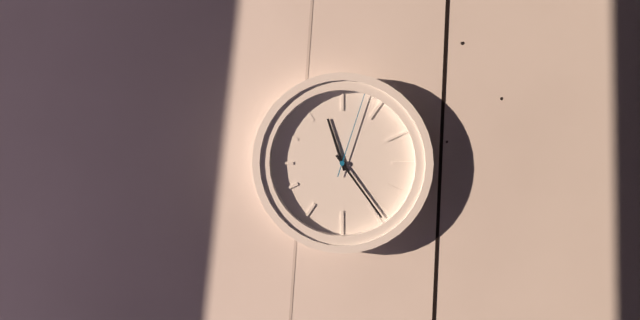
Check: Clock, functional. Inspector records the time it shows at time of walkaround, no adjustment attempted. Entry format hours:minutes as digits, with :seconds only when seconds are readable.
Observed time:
11:24:03
